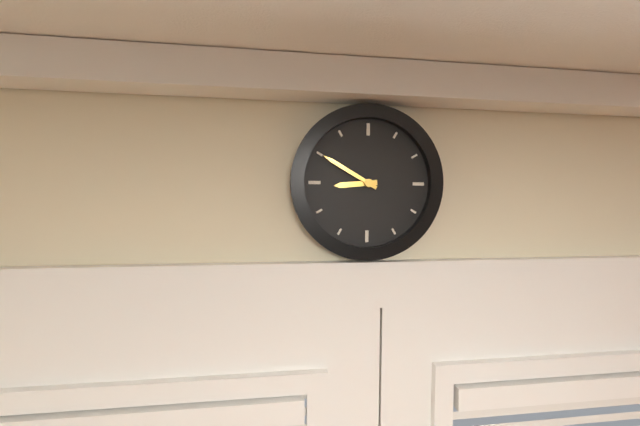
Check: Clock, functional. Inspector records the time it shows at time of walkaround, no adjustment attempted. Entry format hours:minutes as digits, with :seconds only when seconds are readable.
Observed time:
8:50
